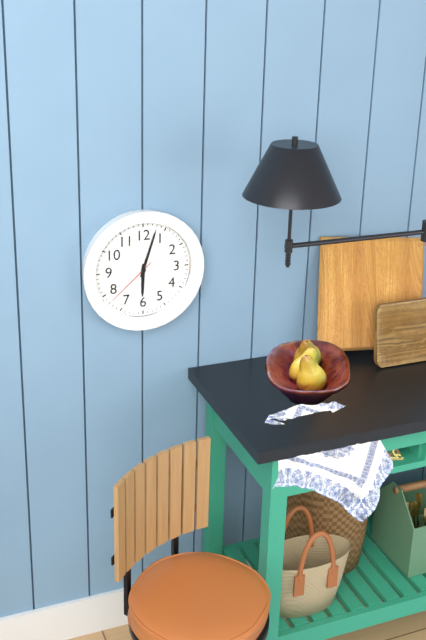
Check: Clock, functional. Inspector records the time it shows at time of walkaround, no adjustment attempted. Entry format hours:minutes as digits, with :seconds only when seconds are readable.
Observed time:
6:03:38
